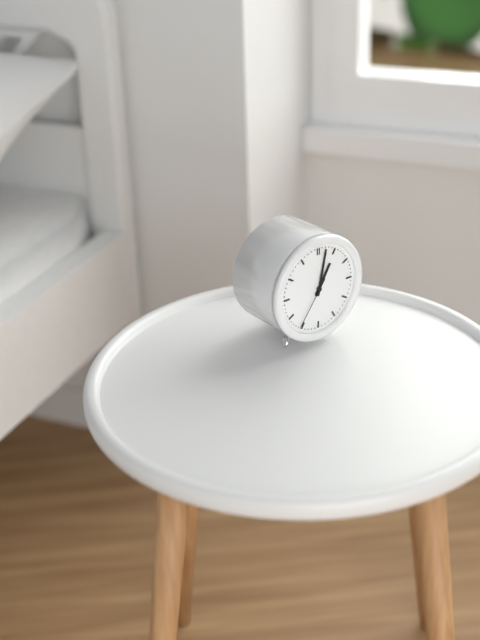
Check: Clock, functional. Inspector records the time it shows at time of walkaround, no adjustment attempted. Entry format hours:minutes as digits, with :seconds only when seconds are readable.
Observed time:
1:02:36
